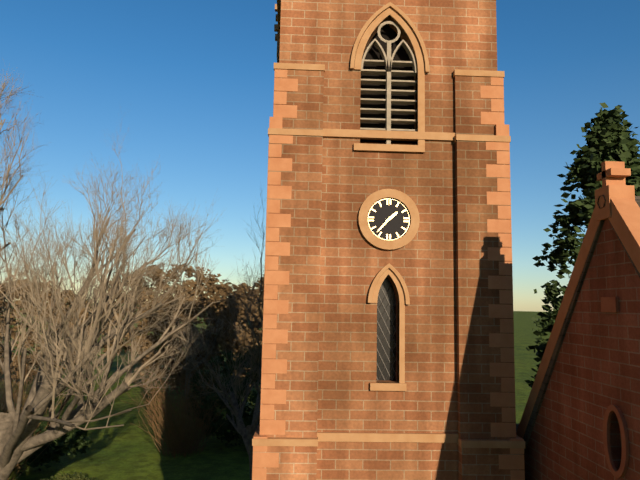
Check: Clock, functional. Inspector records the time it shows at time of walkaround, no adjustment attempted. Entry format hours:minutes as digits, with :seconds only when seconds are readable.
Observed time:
1:37
